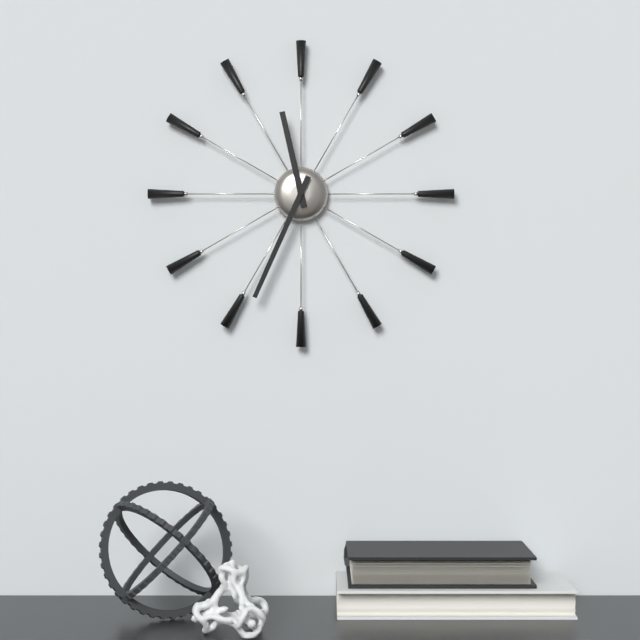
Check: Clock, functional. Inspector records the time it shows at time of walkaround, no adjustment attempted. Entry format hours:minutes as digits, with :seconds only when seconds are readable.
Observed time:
11:34
